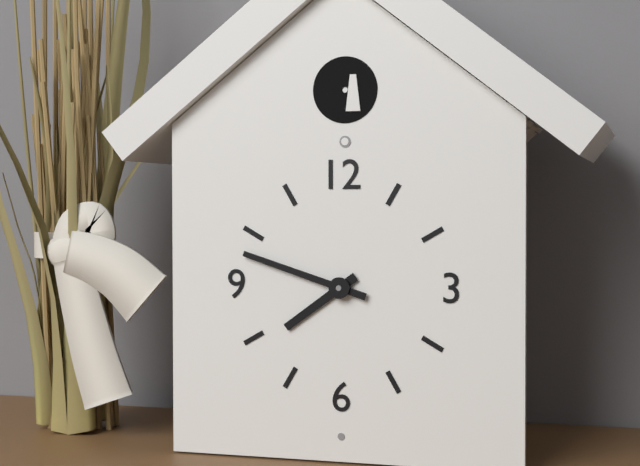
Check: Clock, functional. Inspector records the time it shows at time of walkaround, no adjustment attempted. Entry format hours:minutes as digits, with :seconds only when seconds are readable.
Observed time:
7:48
